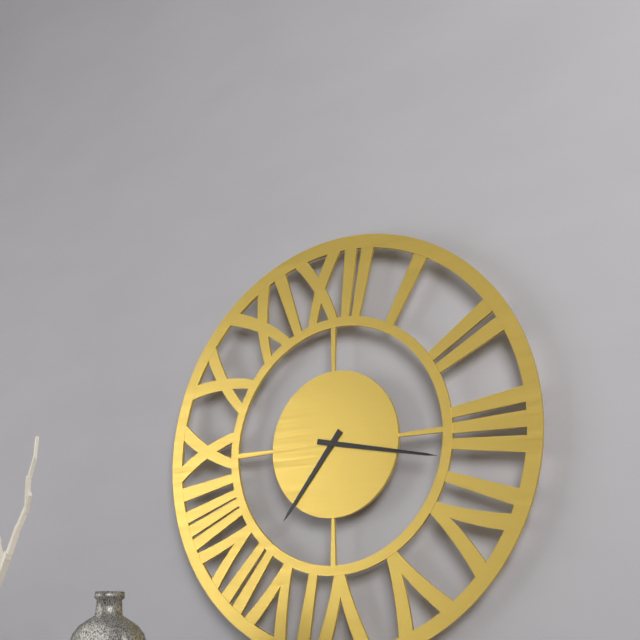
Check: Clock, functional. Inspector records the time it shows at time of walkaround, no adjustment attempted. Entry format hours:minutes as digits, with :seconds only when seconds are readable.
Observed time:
7:17
